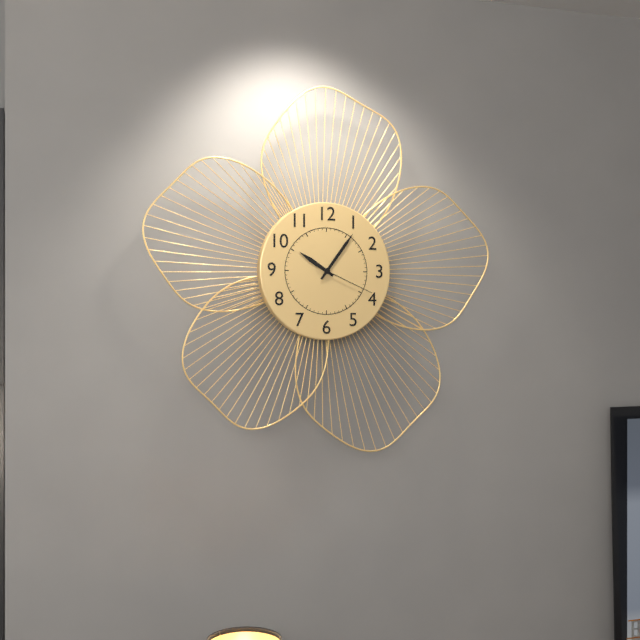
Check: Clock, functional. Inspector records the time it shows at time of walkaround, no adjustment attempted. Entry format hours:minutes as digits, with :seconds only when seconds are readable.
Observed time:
10:06:19
